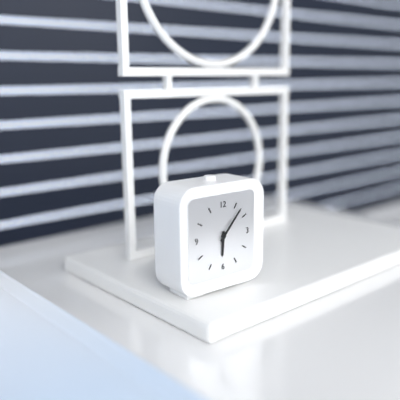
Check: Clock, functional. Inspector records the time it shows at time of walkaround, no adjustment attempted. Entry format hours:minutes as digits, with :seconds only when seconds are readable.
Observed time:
6:07
